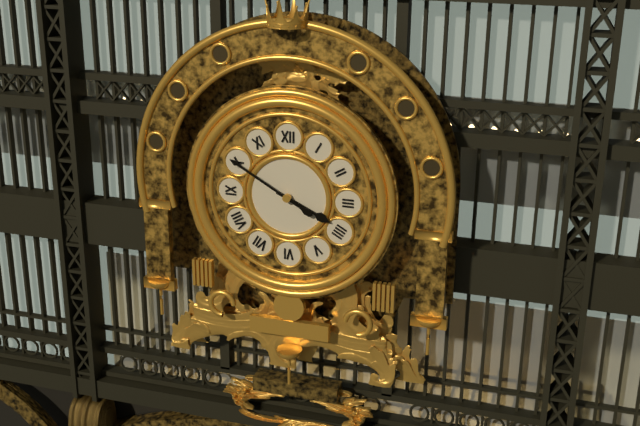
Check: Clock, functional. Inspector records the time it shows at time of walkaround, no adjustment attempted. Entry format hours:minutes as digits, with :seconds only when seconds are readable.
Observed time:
3:50
